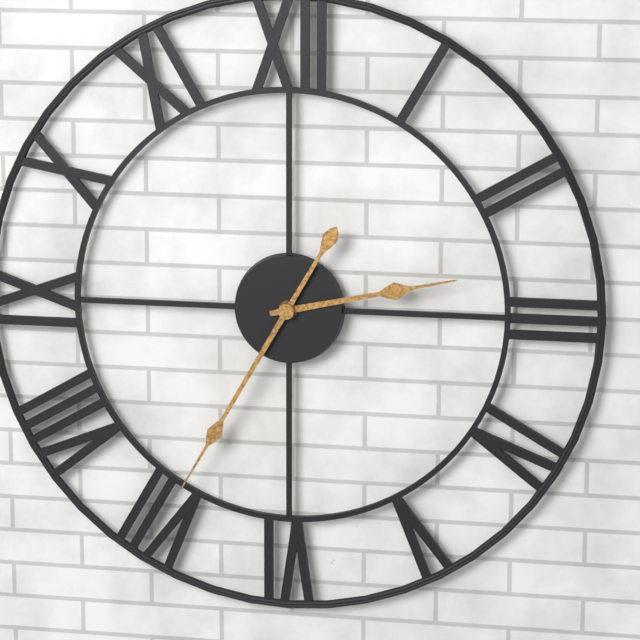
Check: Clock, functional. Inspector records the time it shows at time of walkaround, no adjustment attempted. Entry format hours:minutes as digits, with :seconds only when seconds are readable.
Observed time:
2:35
